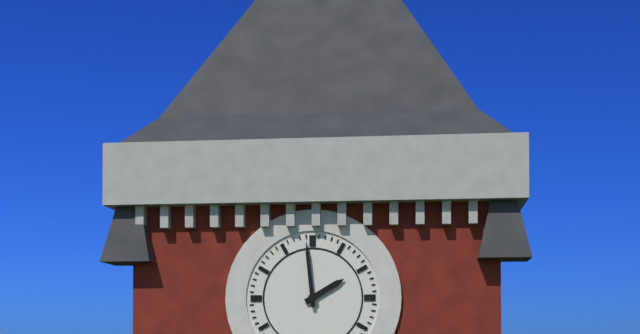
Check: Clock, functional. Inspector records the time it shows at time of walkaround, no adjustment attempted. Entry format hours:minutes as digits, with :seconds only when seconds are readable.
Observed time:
1:59
